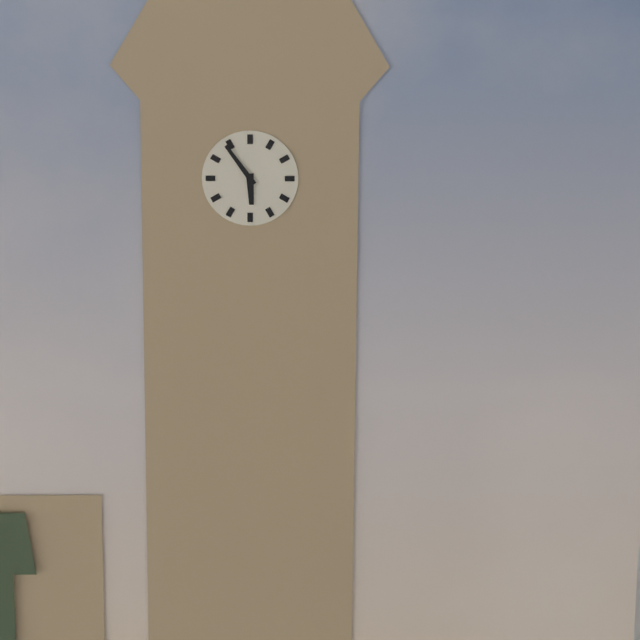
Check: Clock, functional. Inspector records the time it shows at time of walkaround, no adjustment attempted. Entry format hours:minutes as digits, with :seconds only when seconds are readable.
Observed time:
5:54
